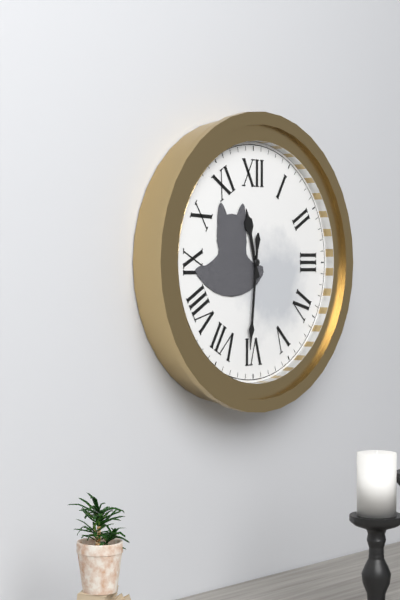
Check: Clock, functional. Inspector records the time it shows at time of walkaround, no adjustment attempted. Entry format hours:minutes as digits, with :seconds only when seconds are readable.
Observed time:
11:31
